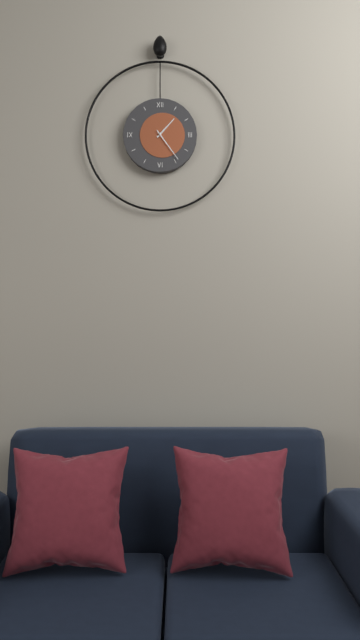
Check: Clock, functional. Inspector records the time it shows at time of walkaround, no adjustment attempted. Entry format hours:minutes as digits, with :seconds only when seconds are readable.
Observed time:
1:24
